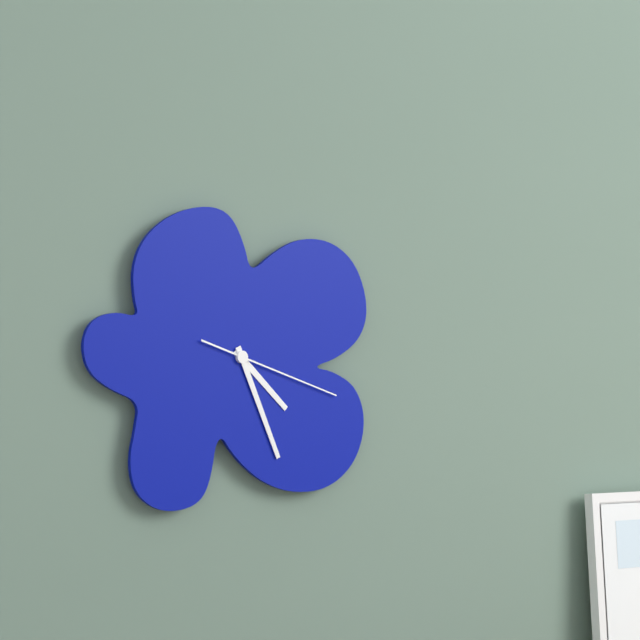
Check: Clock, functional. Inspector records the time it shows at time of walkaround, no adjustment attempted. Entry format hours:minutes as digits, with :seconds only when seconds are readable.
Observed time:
4:26:18
